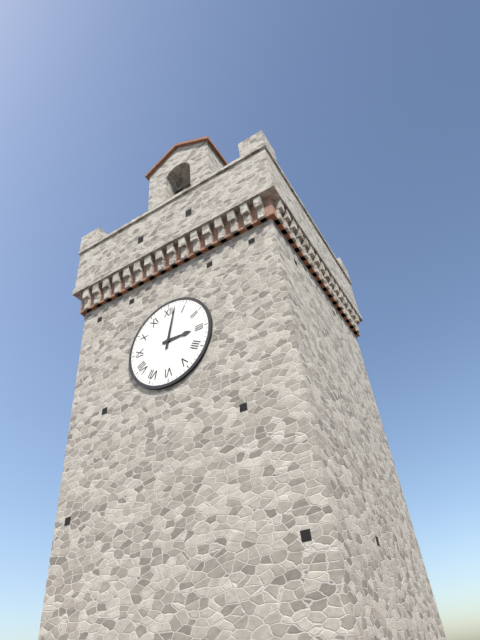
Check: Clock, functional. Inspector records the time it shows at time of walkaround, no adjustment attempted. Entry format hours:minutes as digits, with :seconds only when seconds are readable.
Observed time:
3:02
